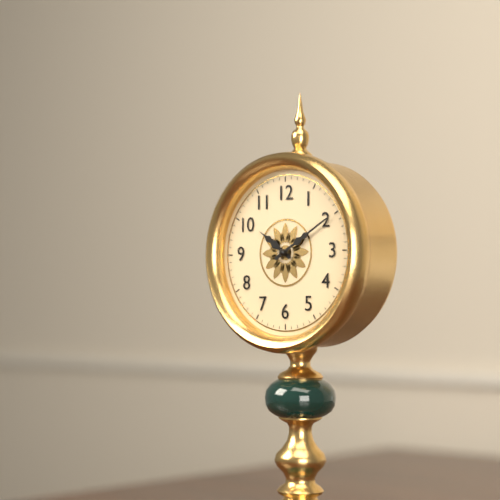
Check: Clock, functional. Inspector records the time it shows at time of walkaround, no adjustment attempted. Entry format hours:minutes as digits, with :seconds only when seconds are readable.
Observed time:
10:10
